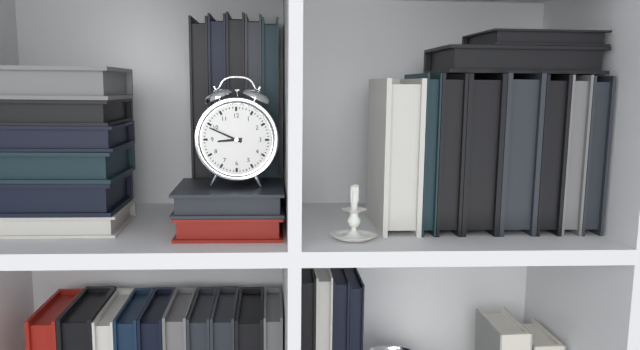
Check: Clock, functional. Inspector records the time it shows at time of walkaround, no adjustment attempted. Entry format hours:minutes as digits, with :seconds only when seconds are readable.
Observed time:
8:49
